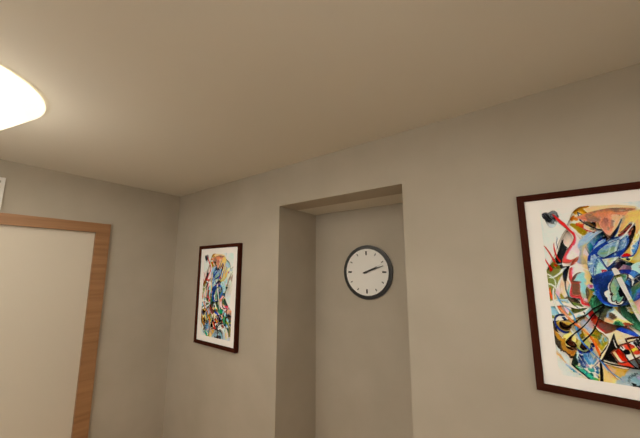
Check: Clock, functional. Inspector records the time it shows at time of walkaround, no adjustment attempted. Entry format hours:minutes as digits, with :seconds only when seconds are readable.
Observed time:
2:12
